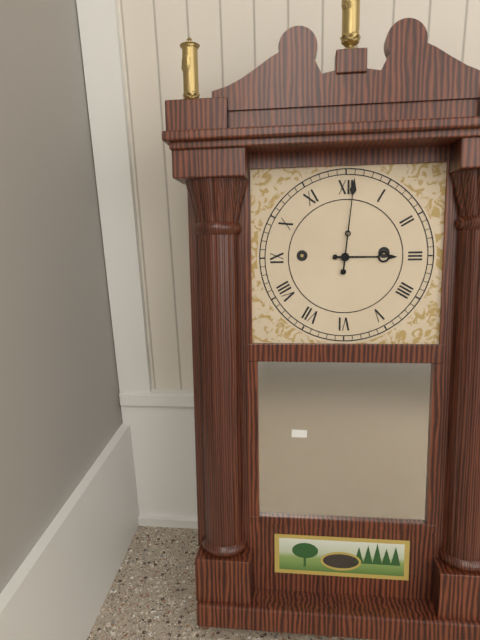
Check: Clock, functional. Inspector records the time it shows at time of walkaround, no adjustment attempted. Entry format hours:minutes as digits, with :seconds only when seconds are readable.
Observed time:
3:01
